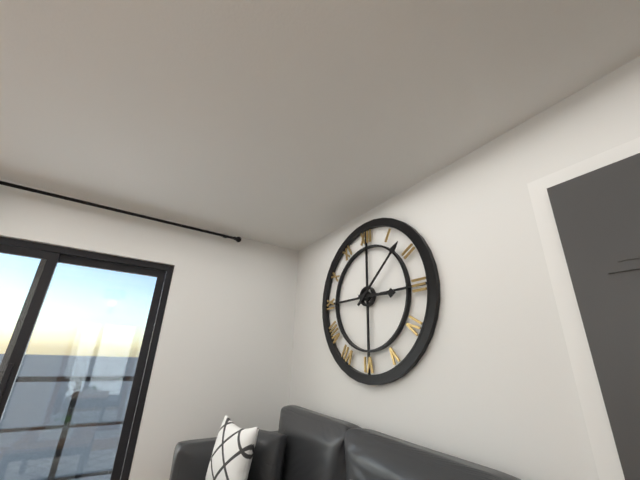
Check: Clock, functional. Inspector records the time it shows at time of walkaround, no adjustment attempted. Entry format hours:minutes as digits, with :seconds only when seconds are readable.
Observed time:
3:08
